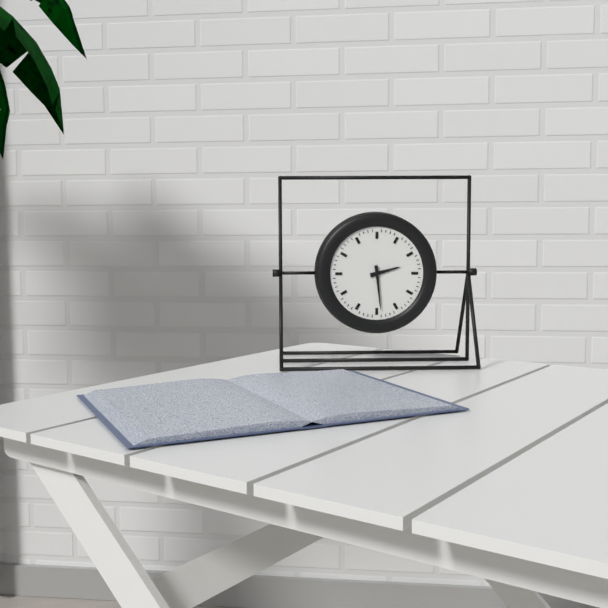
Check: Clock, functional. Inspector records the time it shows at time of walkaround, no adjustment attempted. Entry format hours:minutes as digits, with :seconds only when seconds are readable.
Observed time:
2:29
